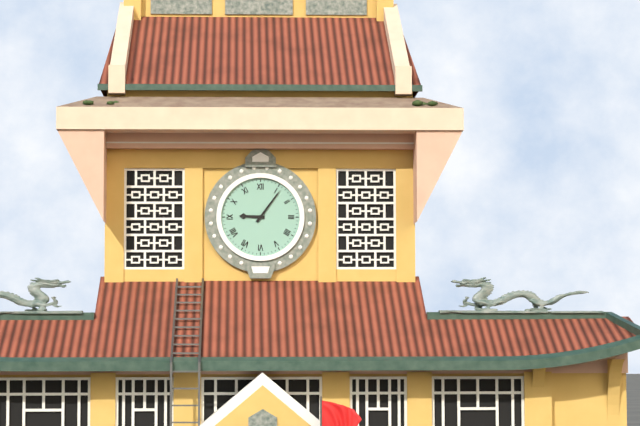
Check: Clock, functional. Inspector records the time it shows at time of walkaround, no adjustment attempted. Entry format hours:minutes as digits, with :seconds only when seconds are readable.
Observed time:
9:06
